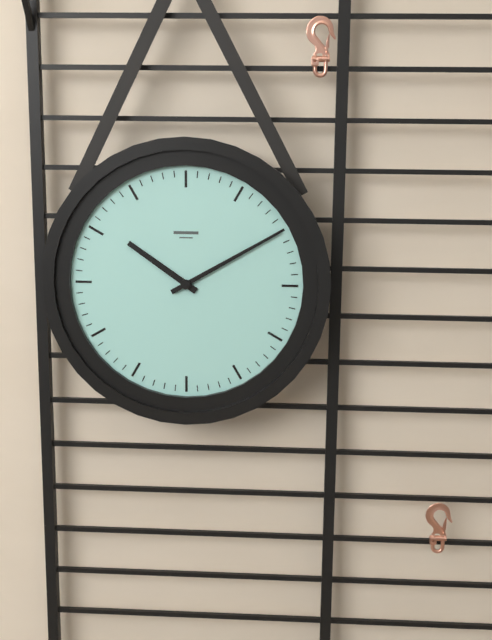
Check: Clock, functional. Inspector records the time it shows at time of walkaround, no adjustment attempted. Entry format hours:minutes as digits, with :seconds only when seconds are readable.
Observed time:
10:10
